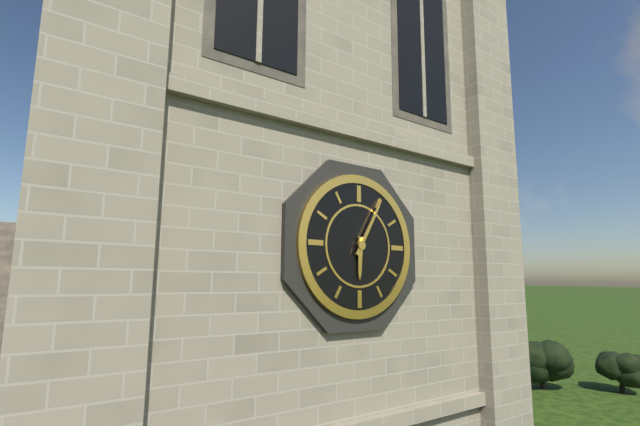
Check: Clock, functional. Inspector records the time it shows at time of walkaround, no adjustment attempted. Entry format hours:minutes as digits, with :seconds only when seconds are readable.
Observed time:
6:05
